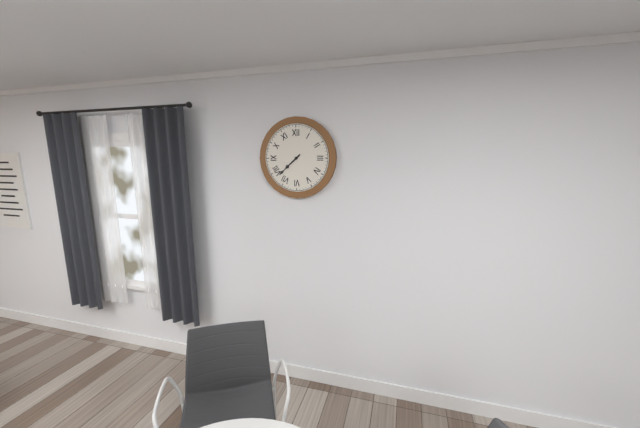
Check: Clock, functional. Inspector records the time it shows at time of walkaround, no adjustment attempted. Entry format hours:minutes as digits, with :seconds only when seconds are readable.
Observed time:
7:38
